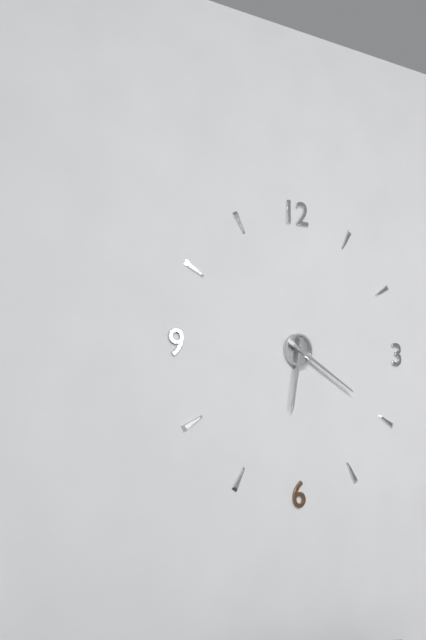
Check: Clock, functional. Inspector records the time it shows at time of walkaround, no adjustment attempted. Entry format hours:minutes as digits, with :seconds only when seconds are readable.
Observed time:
6:20
